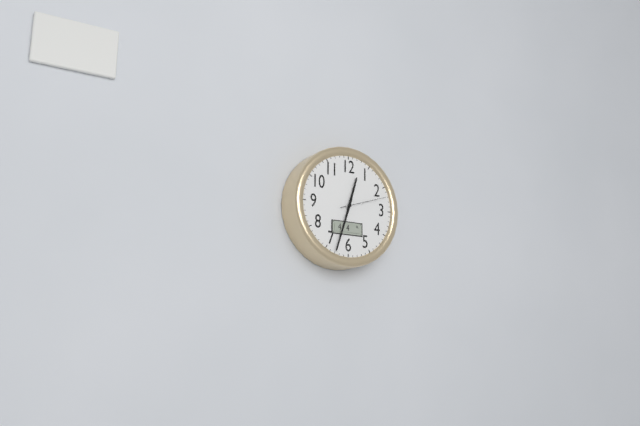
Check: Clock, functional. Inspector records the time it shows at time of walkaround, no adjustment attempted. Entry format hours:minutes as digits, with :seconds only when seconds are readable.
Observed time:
12:33
